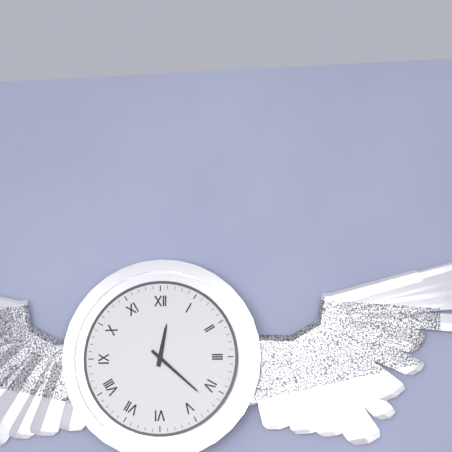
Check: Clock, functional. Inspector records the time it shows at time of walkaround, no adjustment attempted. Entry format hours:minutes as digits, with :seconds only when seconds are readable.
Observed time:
12:22
